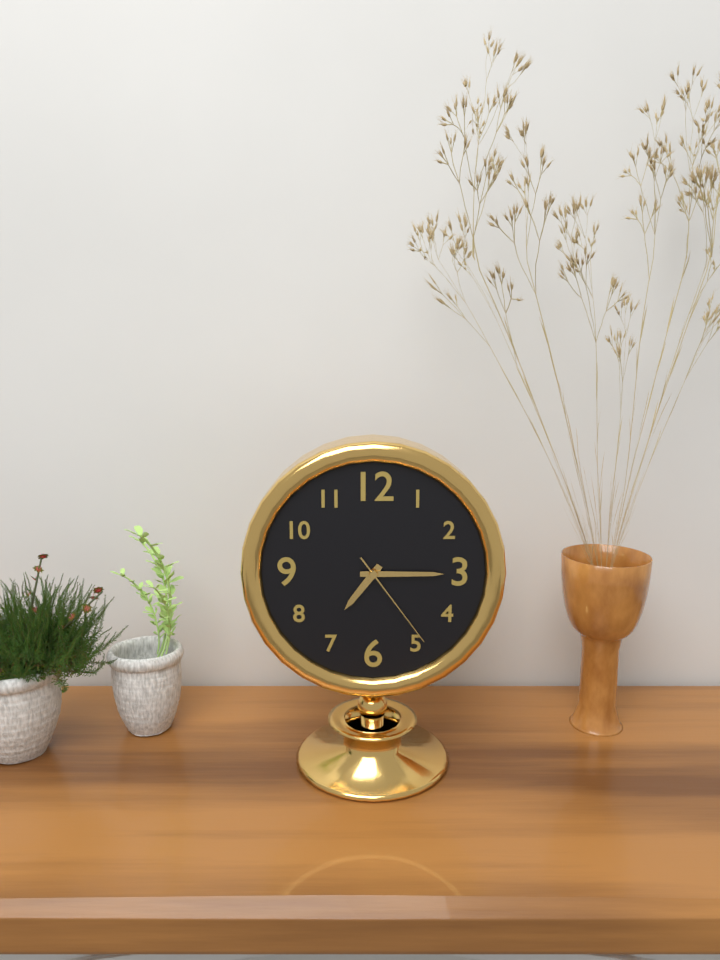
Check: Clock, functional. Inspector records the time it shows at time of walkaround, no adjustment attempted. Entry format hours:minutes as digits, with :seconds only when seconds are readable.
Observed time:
7:15:24
